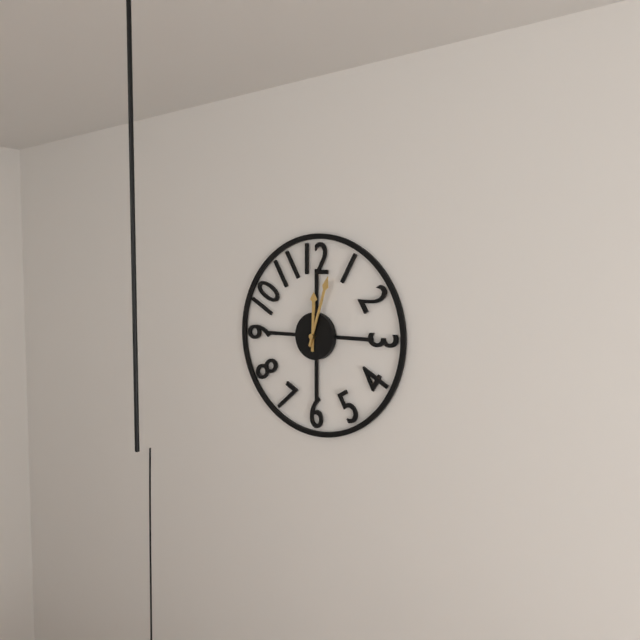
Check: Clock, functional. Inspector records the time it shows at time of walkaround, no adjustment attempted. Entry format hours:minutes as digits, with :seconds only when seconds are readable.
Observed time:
12:03
